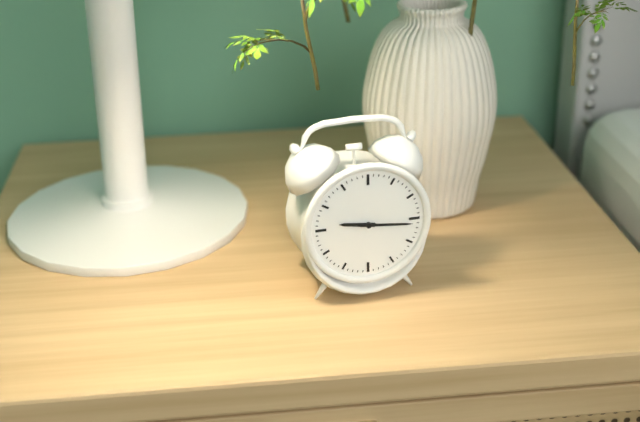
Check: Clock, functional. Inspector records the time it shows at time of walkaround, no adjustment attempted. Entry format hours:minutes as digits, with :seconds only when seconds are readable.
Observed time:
9:16
